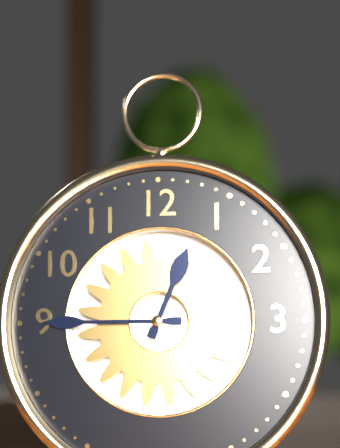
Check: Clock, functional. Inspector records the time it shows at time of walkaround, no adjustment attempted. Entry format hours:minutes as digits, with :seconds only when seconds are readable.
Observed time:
12:45
